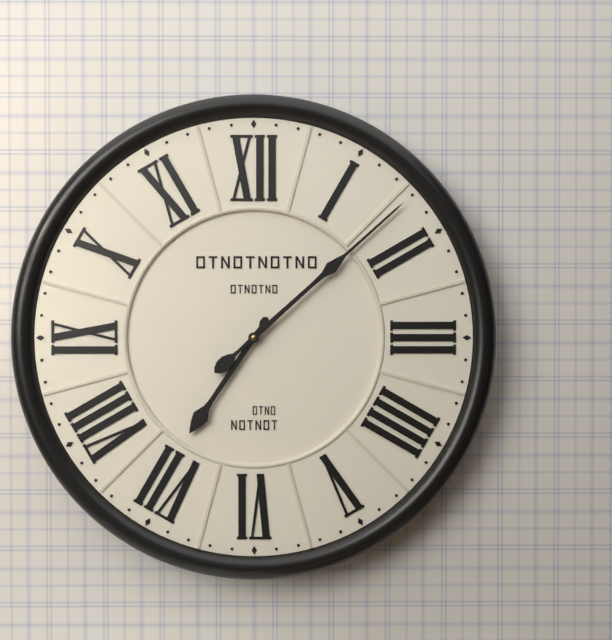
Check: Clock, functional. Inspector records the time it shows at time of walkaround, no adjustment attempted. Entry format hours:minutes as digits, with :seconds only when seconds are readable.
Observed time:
7:08
